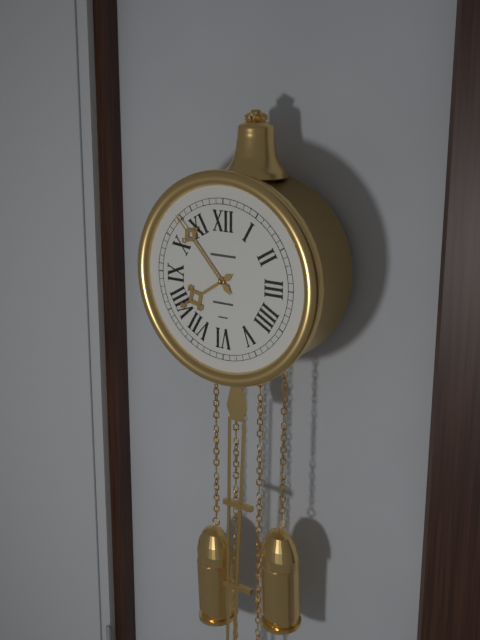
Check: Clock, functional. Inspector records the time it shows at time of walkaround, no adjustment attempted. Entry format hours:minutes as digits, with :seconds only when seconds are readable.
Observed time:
7:53
